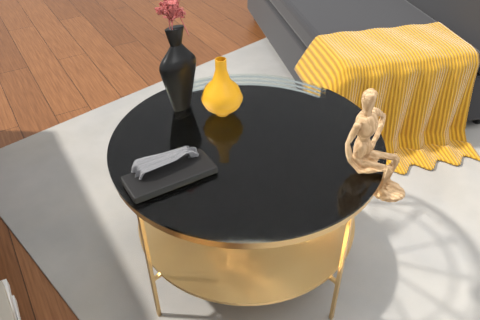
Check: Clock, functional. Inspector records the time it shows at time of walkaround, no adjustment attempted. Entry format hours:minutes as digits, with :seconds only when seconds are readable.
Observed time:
7:37
